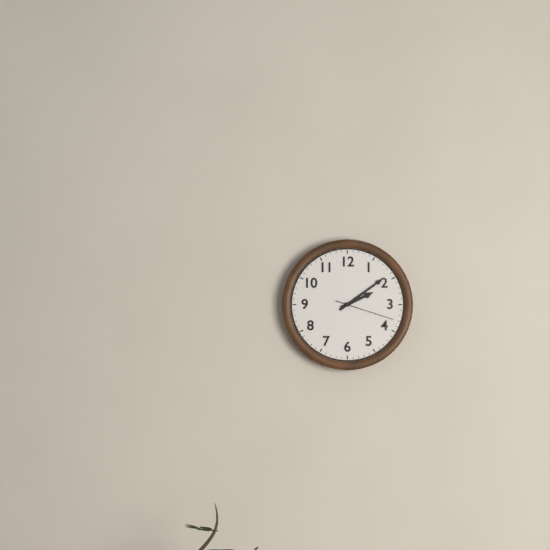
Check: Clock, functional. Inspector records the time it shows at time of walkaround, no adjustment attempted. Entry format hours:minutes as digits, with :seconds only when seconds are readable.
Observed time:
2:09:18
